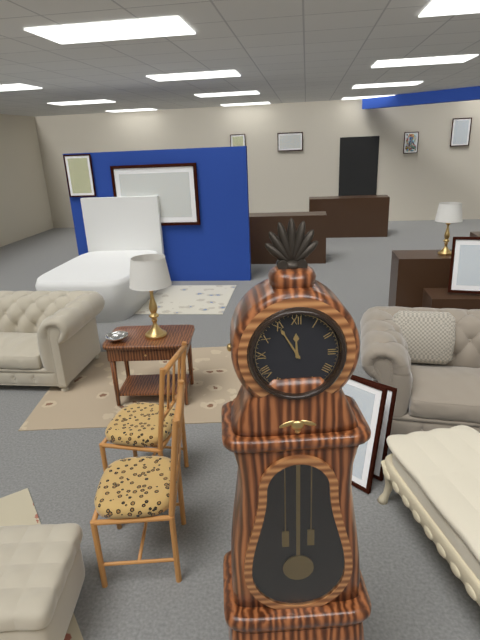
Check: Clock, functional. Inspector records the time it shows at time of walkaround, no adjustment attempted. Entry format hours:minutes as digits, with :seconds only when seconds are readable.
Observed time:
11:55
